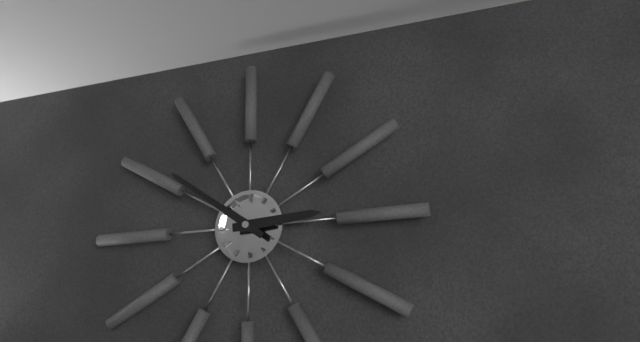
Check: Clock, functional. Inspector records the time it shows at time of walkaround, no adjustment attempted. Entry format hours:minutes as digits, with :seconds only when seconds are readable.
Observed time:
2:51
